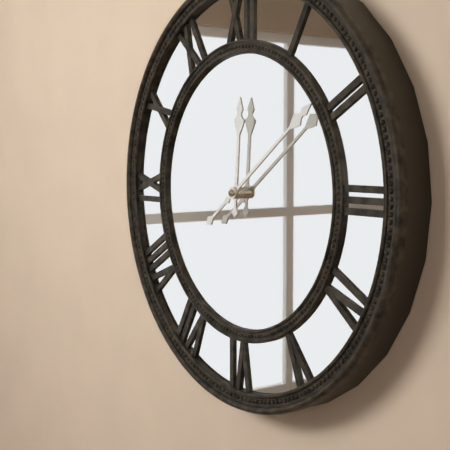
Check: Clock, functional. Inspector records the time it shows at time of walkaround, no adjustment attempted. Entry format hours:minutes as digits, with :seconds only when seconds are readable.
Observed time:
12:09
